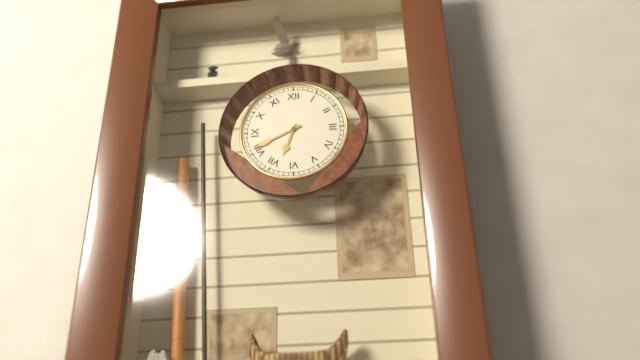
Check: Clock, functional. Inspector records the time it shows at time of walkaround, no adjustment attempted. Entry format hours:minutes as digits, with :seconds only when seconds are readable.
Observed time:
6:41
